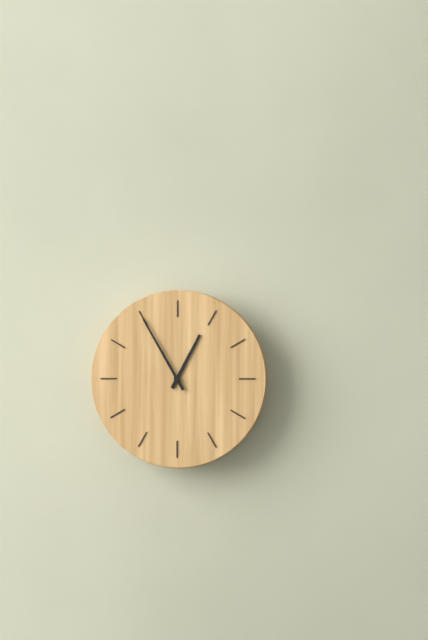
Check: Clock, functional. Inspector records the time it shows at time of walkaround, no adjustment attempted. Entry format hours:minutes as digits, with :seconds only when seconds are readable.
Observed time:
12:55
